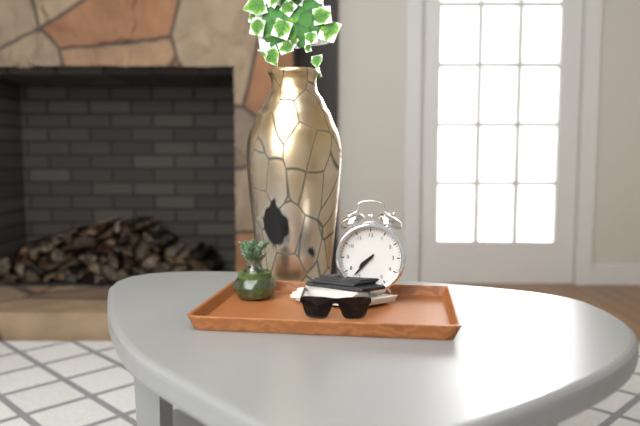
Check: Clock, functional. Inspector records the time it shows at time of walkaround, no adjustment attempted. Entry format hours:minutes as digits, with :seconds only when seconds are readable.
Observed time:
7:37
